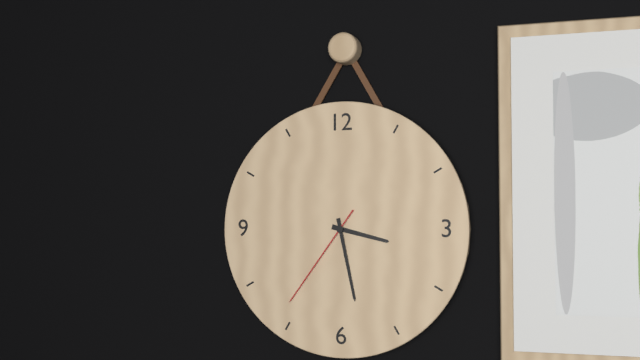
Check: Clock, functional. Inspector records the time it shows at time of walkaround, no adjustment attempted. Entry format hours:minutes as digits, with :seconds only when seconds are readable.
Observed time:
3:28:36
